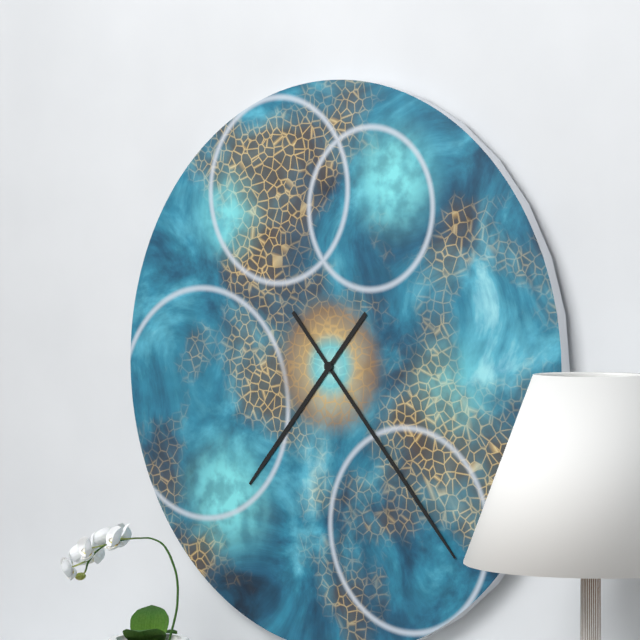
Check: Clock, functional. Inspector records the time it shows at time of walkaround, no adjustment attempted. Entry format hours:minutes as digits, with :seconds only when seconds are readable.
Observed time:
7:23
